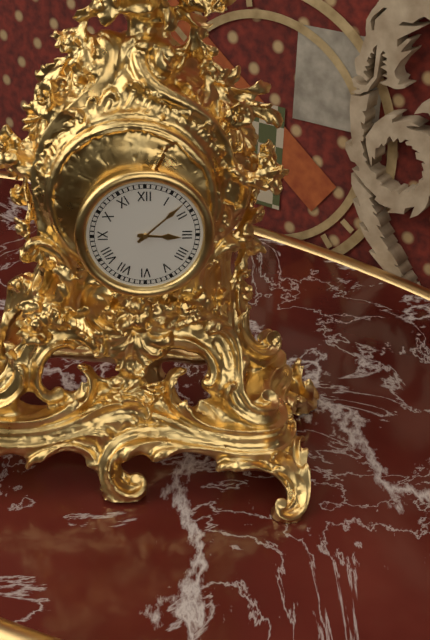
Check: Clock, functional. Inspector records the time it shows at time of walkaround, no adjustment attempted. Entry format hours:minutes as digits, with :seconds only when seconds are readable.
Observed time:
3:08
